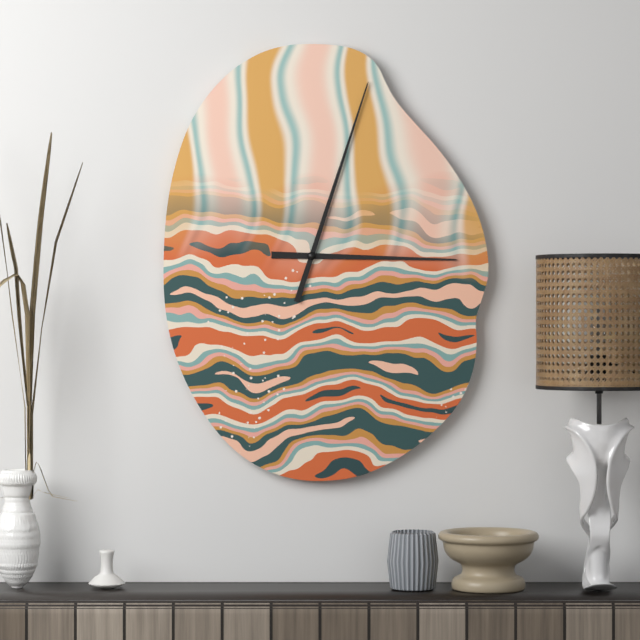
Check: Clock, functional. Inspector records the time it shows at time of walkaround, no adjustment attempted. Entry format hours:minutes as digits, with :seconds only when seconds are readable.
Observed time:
3:03
